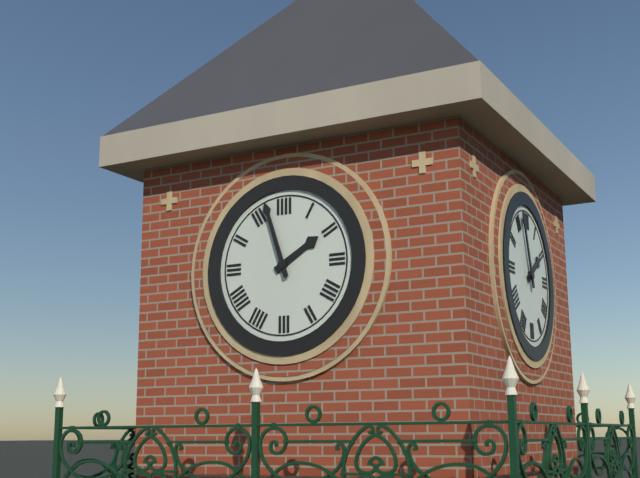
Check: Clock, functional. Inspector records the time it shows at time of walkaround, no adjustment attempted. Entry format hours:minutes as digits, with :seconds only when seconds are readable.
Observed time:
1:57
